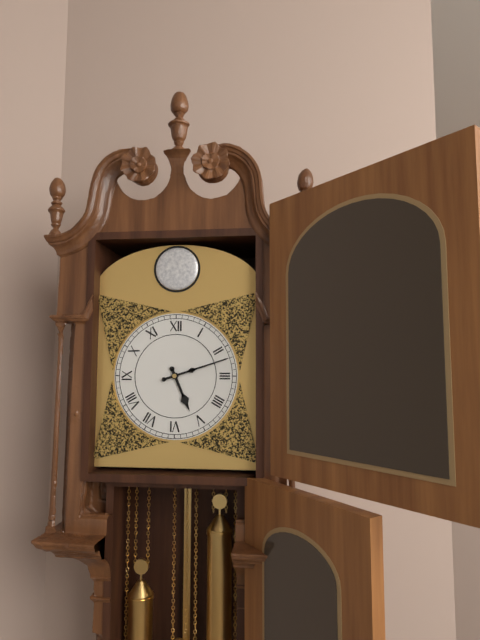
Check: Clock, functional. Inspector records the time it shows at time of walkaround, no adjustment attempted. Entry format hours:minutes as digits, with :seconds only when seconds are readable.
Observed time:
5:12
